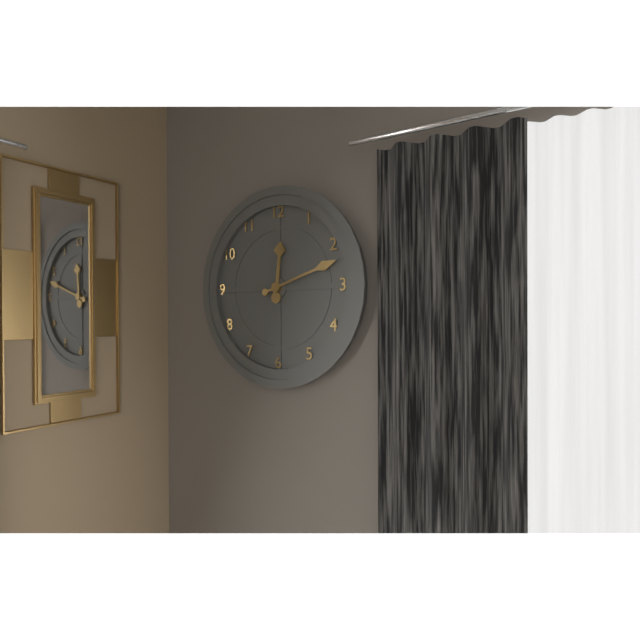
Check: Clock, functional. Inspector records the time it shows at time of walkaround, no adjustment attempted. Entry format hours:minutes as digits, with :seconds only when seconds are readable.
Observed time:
12:12
